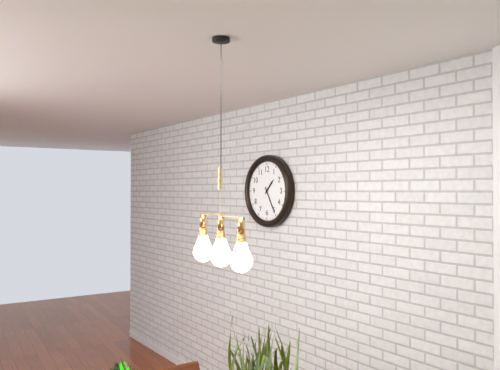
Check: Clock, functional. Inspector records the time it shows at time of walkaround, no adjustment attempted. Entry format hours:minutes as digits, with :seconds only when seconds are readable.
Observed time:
1:25
